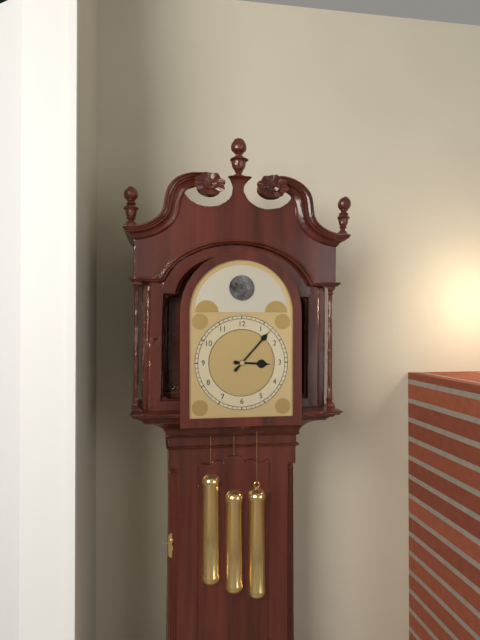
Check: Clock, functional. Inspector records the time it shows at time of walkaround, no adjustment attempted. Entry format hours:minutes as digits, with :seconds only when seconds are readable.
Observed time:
3:07
